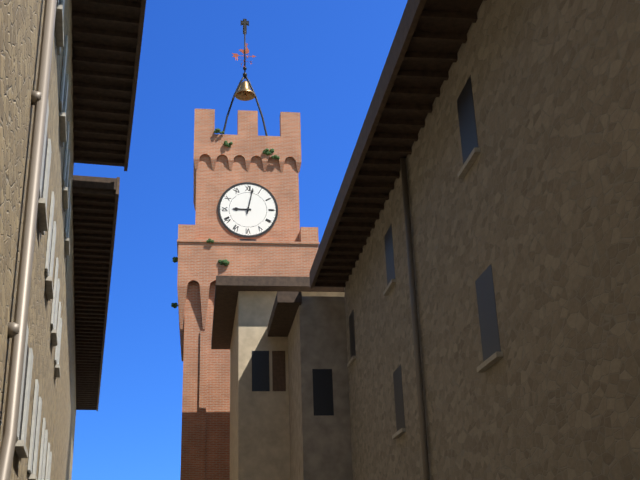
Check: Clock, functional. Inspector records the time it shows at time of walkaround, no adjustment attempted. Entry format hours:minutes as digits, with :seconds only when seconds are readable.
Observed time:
9:02
